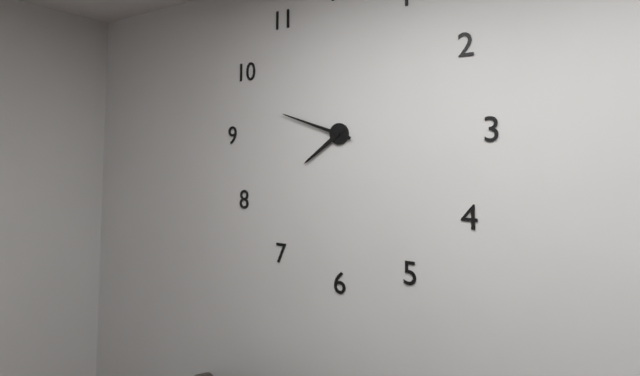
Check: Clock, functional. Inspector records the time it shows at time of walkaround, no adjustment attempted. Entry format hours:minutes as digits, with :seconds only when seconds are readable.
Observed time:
7:48
